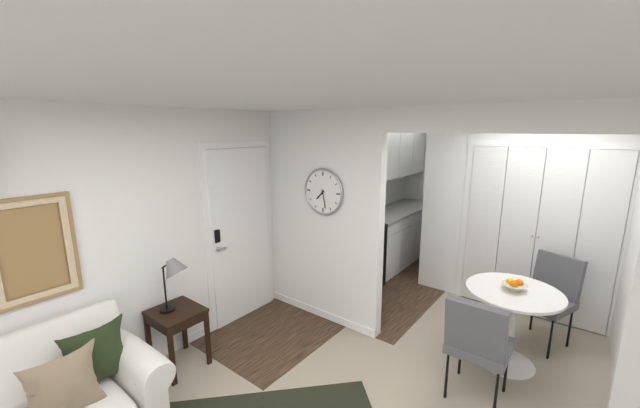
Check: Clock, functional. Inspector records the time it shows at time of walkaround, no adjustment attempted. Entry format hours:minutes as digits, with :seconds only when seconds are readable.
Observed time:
7:28
